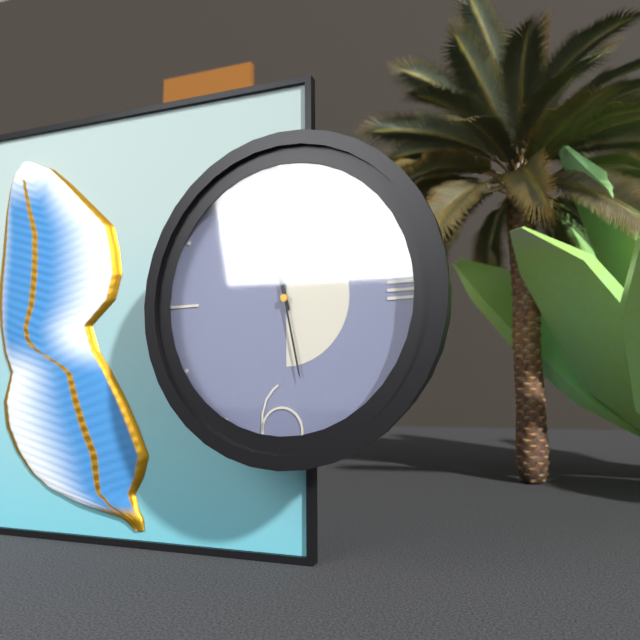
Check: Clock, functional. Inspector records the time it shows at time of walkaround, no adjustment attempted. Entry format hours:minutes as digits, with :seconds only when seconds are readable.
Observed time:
11:28
